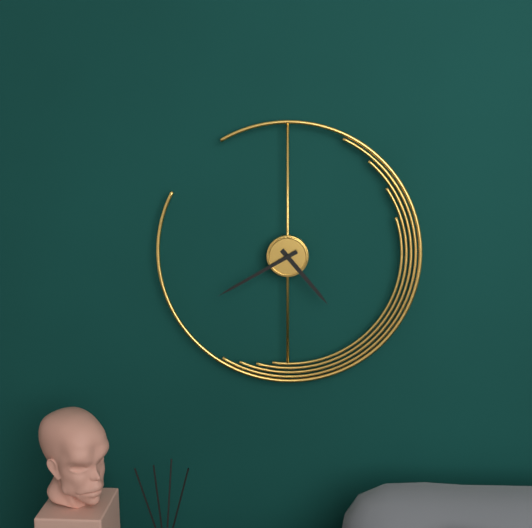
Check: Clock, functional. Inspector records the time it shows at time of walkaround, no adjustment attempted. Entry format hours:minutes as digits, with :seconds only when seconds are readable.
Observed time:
4:40
